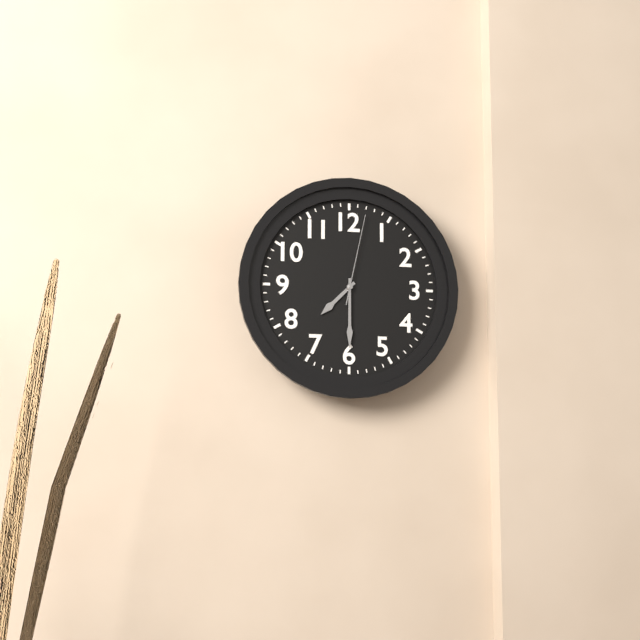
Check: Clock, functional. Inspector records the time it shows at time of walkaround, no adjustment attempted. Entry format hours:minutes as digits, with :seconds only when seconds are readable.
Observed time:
7:30:02
